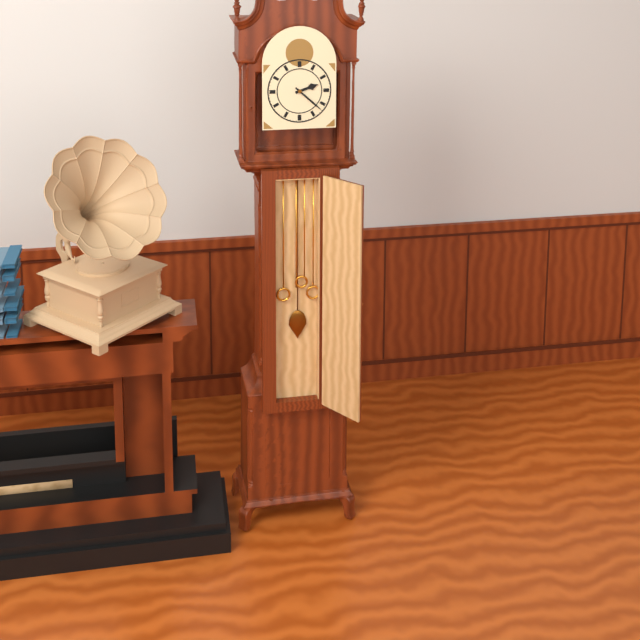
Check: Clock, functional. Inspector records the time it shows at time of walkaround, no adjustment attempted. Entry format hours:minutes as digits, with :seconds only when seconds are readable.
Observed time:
2:22
